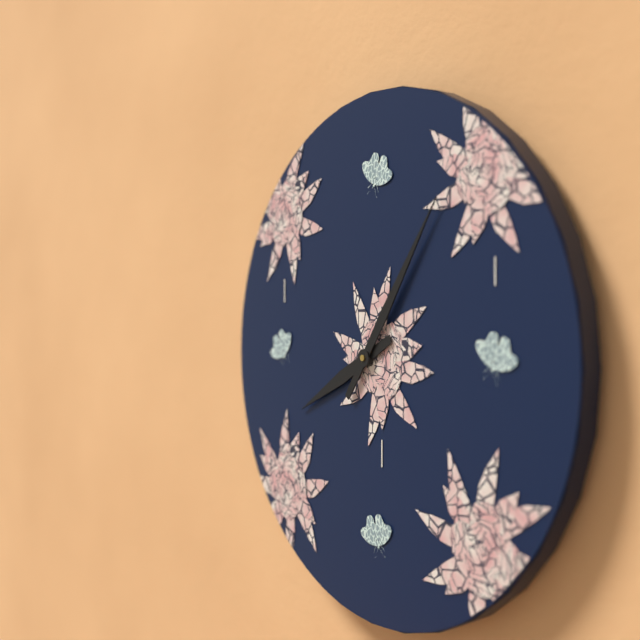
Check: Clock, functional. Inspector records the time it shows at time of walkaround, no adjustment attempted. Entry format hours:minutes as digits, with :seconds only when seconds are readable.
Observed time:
8:06
